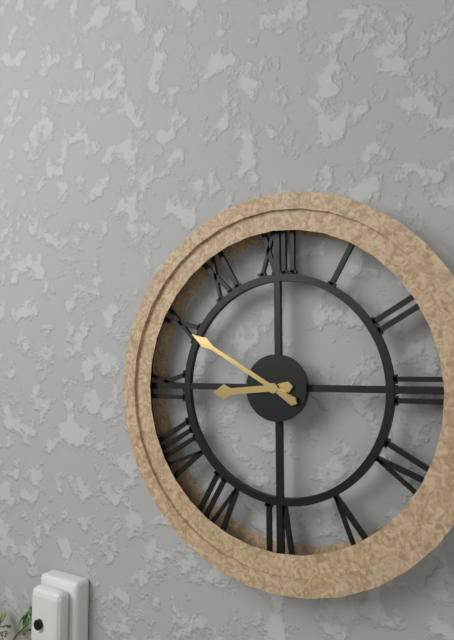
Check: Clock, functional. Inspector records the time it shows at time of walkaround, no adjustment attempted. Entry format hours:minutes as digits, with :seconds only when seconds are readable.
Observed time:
8:50
